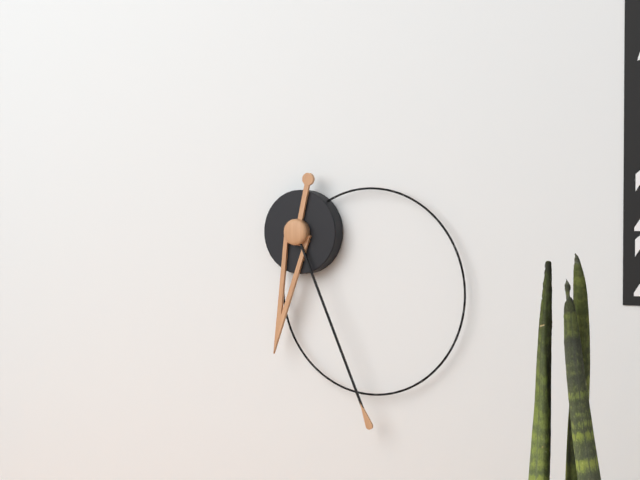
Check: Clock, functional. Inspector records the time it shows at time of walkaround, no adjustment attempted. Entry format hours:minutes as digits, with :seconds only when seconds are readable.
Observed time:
6:26
